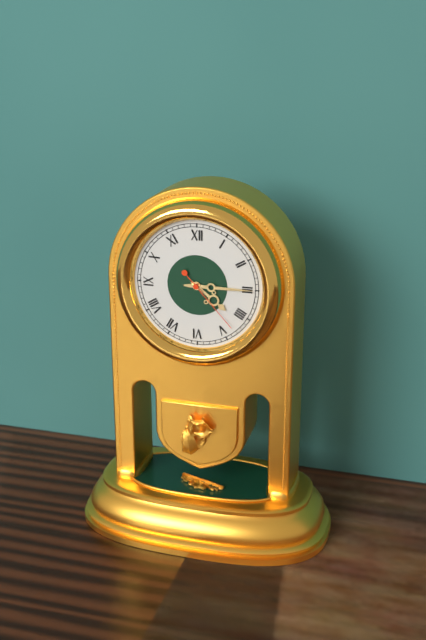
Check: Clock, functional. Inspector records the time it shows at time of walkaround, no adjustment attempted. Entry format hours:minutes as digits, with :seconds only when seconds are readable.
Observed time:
4:15:23
